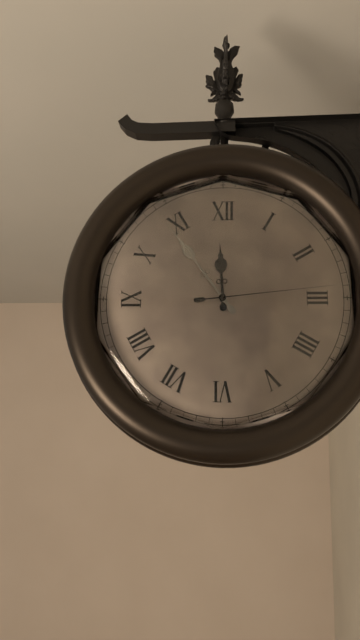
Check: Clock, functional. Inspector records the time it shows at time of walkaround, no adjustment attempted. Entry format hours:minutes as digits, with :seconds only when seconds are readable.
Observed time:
11:54:14
